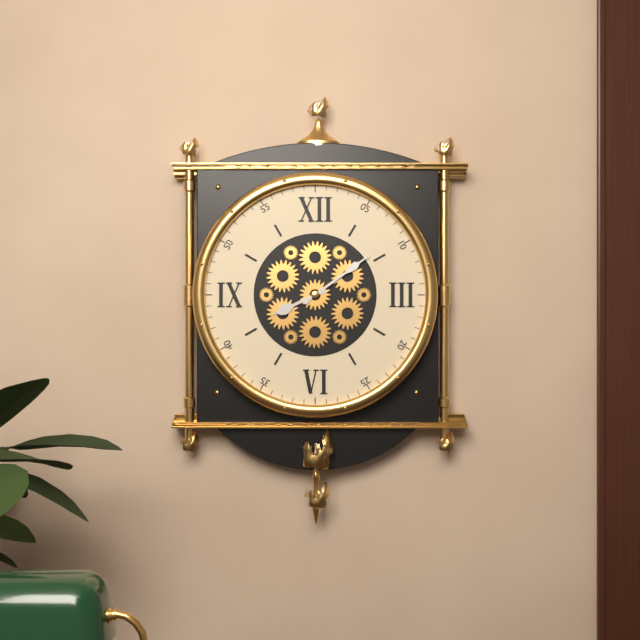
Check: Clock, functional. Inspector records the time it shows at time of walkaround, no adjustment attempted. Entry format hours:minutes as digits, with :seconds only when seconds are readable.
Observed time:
8:09
